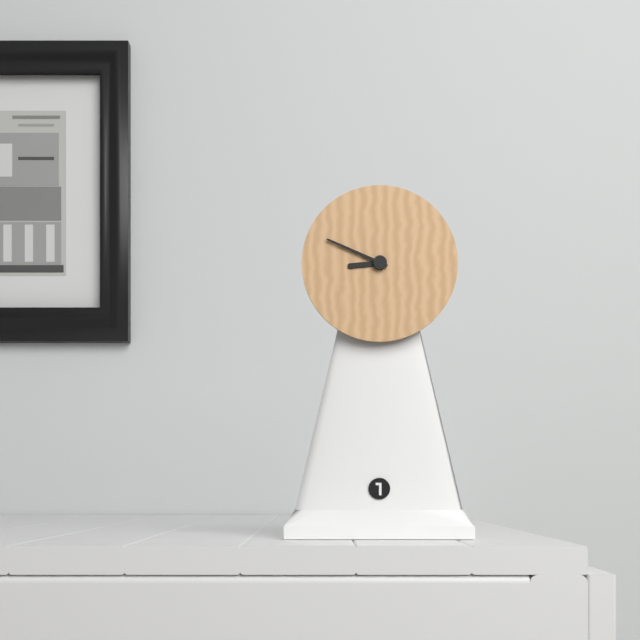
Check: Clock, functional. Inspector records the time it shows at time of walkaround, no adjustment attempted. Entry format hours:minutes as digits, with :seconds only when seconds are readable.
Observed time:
8:49
